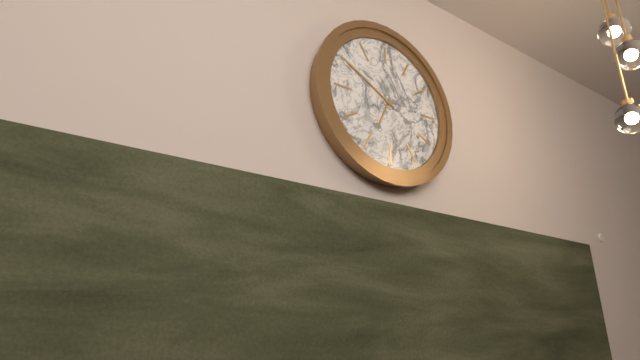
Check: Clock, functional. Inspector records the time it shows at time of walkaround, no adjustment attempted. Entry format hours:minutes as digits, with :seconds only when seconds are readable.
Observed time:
6:50
